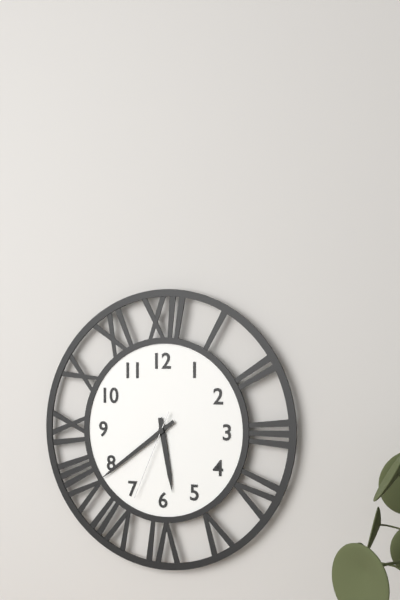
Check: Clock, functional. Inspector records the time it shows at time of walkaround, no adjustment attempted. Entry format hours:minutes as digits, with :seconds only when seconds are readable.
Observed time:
5:39:34
